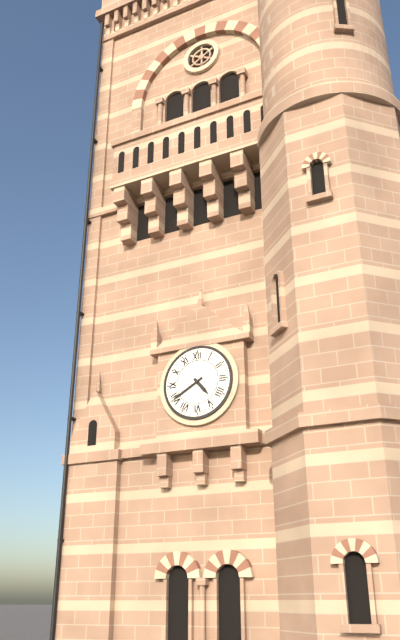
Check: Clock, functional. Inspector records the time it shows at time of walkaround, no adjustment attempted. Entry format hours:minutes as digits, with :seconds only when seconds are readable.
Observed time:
4:40
